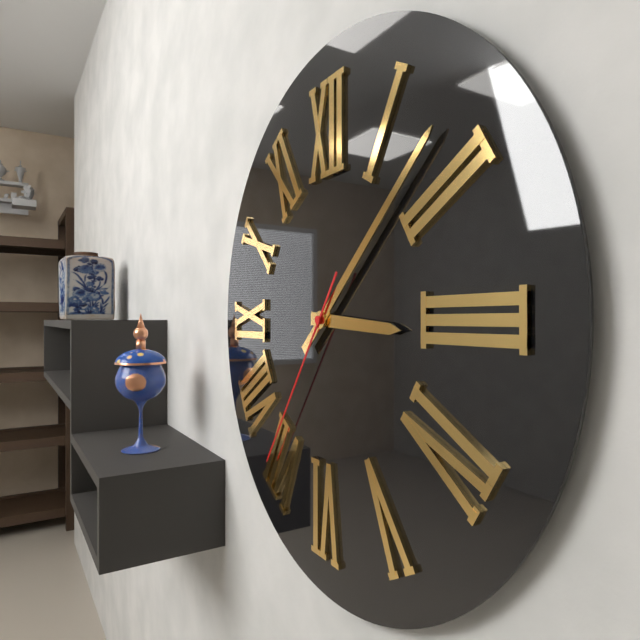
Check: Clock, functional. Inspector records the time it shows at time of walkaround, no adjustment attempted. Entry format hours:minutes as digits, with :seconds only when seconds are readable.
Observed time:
3:08:36
